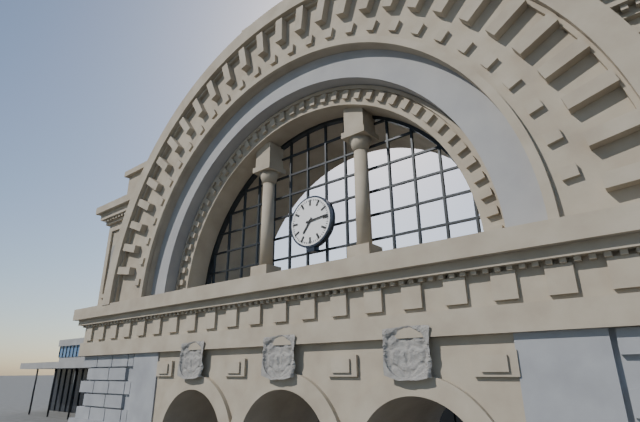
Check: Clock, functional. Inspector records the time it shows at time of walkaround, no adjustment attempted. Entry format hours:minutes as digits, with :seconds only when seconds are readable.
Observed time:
7:14
